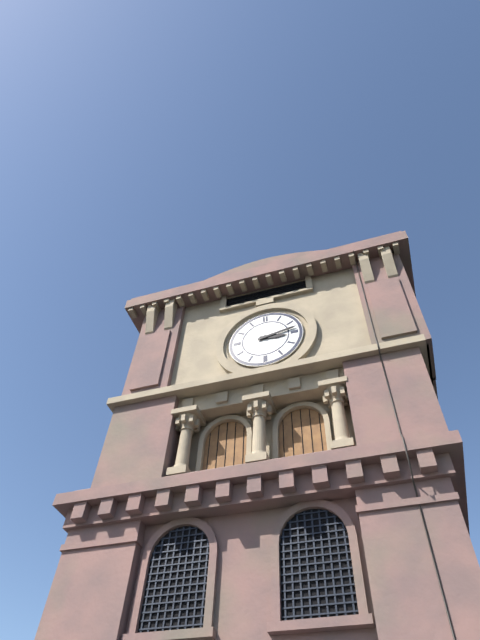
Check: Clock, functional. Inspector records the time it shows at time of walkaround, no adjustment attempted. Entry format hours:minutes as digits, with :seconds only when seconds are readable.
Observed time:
3:13
